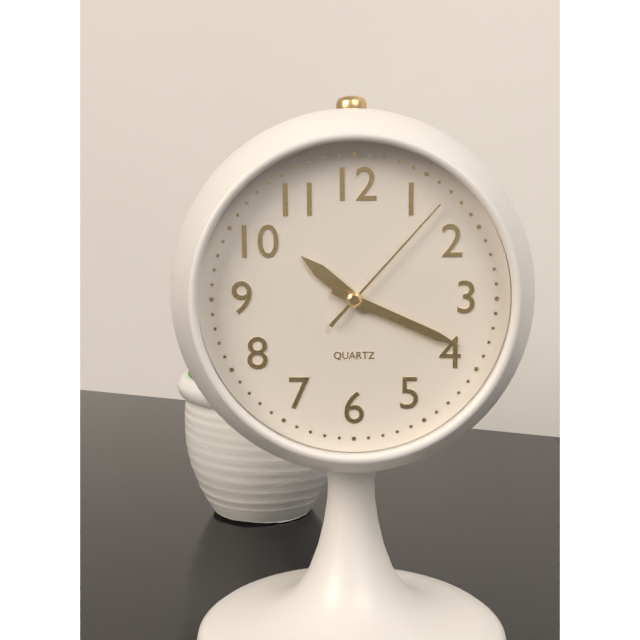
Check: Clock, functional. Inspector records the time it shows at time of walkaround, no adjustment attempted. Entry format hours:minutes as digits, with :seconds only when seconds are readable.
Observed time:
10:19:07
